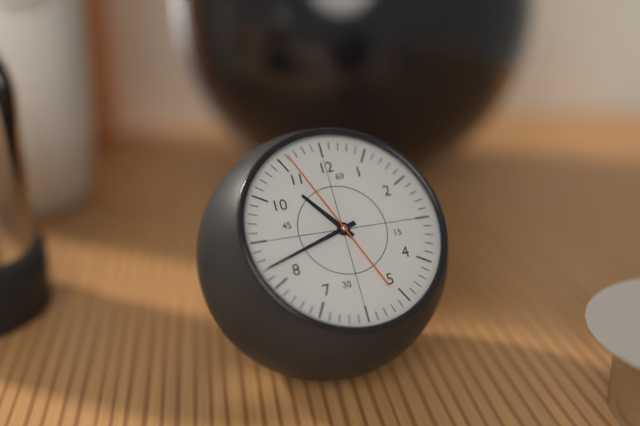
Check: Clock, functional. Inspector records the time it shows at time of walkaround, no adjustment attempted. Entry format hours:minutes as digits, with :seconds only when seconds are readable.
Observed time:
10:42:56
